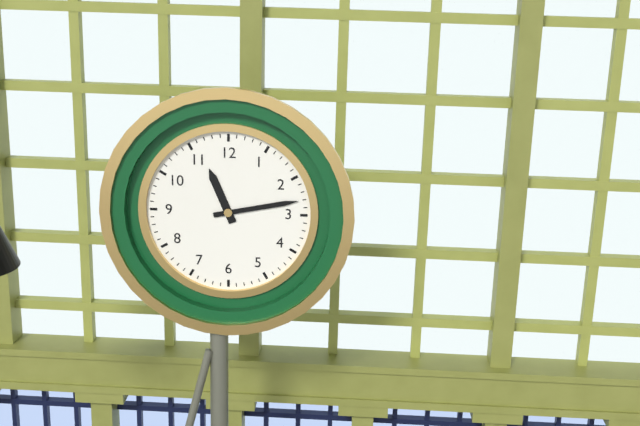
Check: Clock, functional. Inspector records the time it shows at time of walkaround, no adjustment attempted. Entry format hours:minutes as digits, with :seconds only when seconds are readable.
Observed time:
11:13
